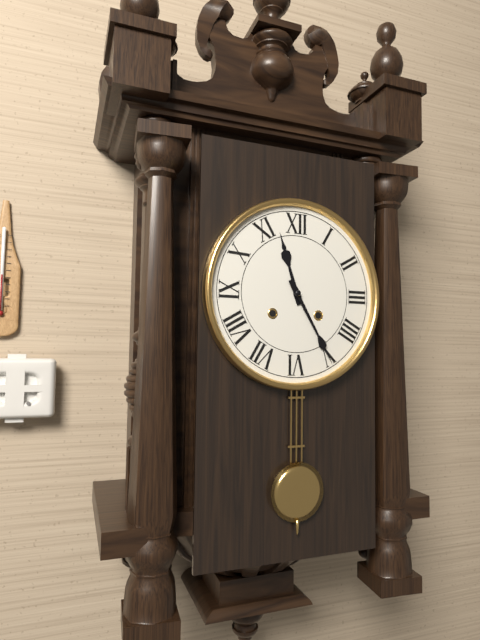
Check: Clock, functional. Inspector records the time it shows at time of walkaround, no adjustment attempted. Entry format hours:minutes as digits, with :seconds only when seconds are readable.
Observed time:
11:25
